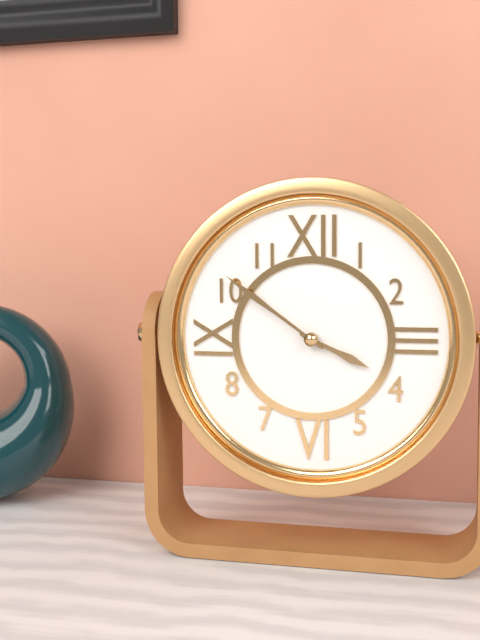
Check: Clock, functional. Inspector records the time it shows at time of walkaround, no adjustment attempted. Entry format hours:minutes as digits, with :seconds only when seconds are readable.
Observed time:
3:51
